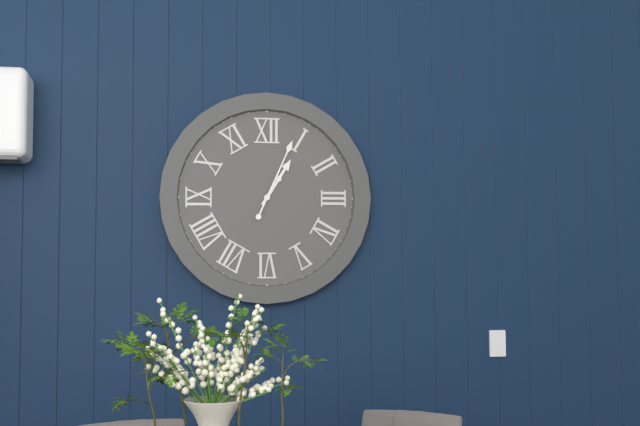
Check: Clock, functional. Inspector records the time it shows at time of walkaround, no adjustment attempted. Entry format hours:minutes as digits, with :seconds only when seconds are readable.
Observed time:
1:04
